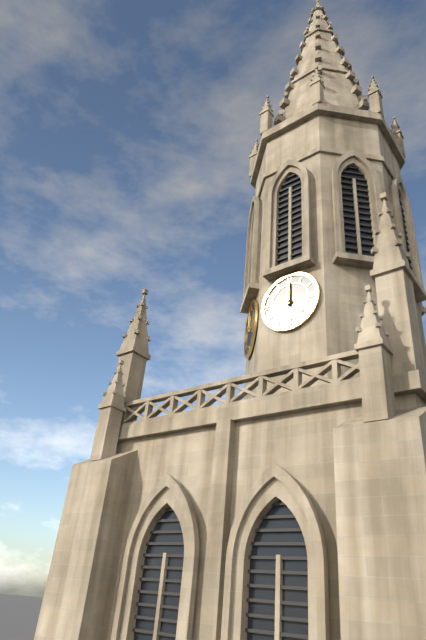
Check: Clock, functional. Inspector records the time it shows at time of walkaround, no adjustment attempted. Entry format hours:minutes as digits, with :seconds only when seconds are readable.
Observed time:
12:00
